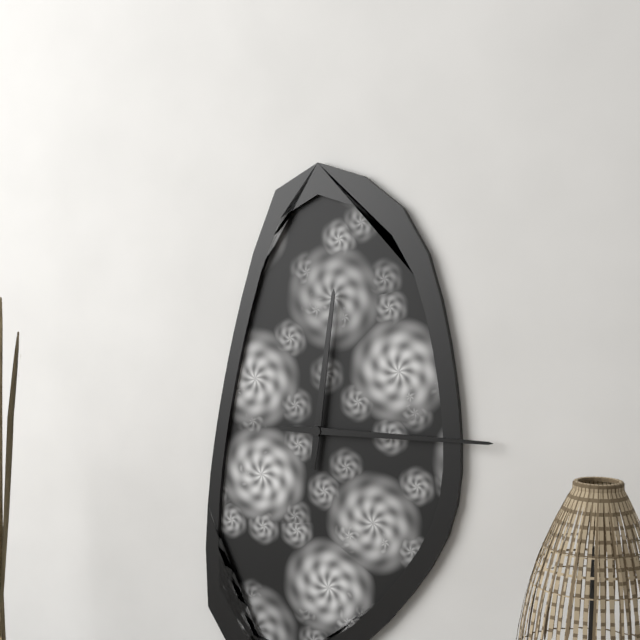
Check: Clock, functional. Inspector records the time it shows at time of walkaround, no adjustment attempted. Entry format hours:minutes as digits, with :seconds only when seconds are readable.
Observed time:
12:15
